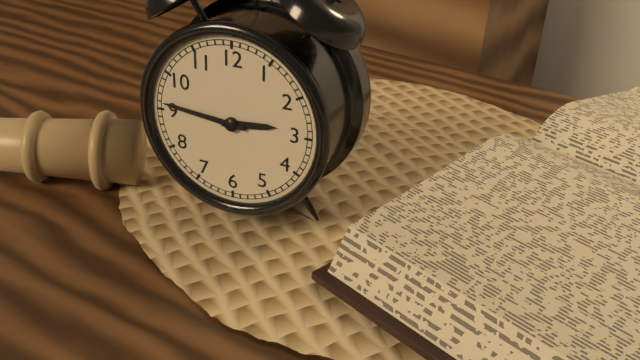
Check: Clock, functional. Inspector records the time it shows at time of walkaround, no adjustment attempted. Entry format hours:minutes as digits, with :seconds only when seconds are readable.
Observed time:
2:46
